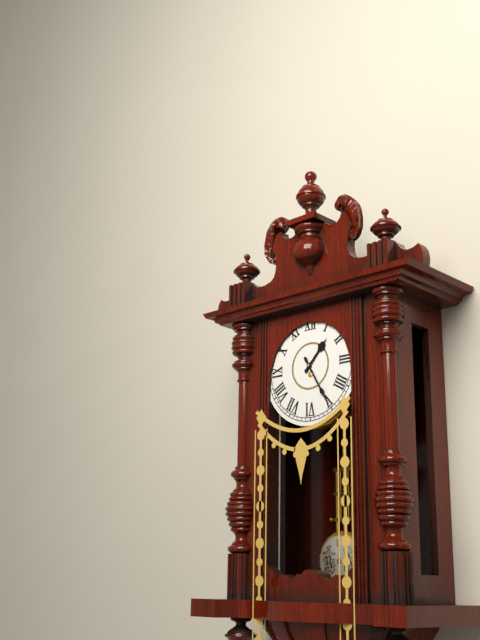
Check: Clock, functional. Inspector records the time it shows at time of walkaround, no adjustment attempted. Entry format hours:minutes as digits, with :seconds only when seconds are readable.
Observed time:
1:25
